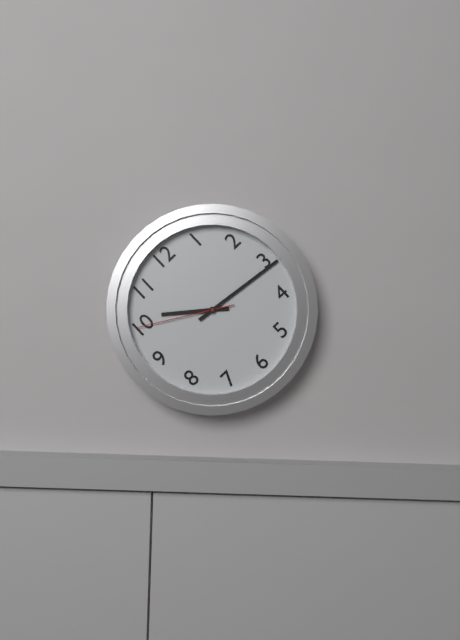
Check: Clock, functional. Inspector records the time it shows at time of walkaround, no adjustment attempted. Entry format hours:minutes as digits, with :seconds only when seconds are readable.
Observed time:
10:16:50
